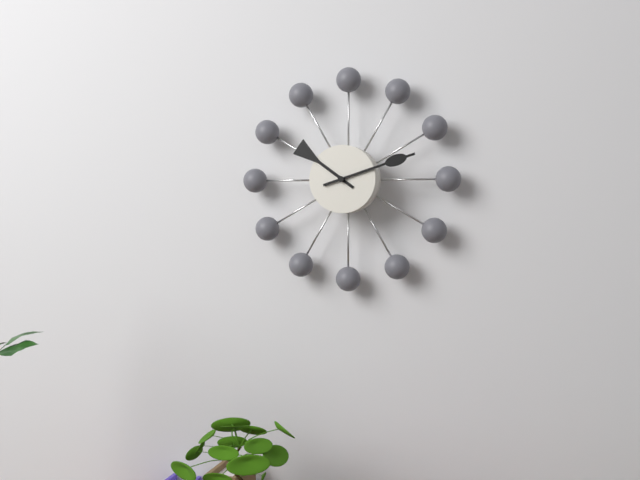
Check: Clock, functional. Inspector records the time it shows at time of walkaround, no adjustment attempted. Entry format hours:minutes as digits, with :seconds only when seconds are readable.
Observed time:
10:12
